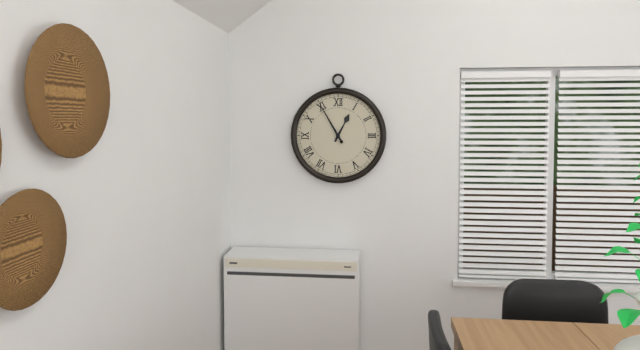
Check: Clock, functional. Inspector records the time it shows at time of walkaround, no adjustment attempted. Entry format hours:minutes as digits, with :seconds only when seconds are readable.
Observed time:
12:55
